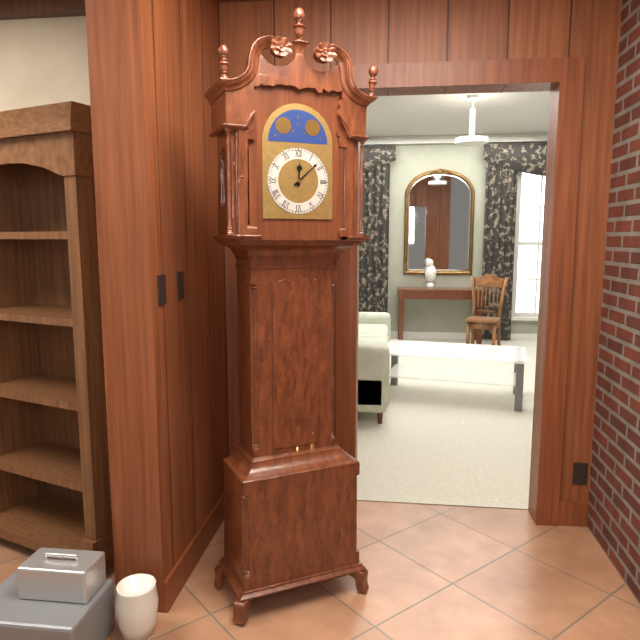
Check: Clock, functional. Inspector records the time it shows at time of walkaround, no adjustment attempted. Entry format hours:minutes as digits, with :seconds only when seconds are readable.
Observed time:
12:08
